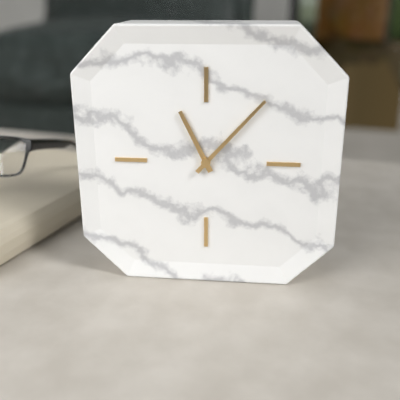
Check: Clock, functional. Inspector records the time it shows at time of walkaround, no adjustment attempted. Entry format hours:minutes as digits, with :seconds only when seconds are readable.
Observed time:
11:07
